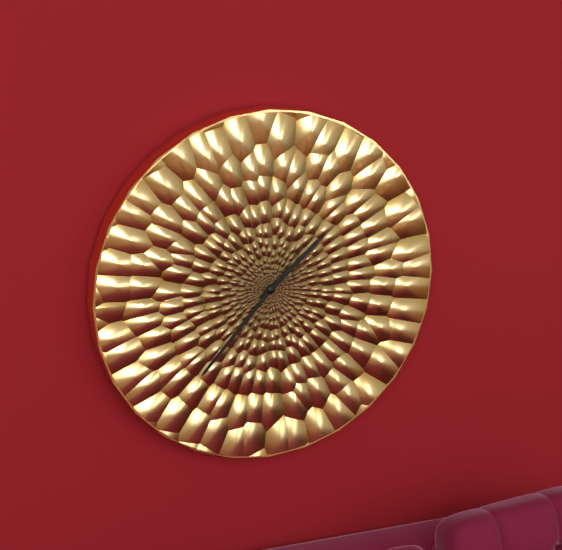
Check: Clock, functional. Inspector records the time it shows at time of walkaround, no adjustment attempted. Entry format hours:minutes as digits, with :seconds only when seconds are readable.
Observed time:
1:37
